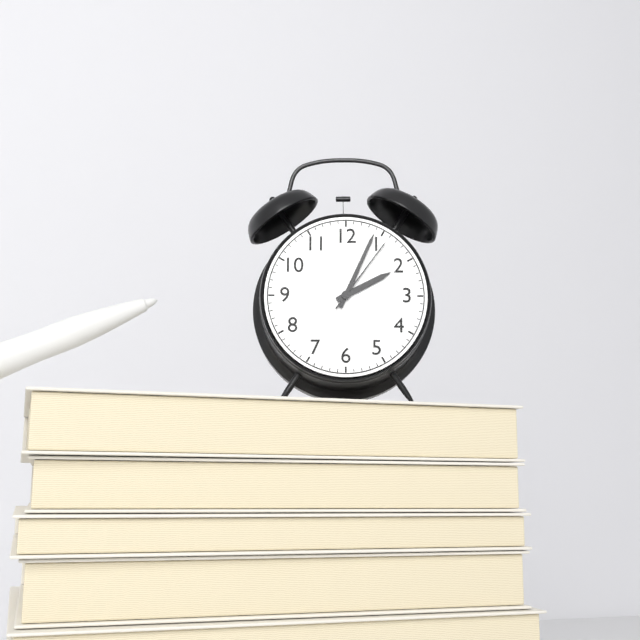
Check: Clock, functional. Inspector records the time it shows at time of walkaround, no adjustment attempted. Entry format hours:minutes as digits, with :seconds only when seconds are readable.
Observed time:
2:04:06
